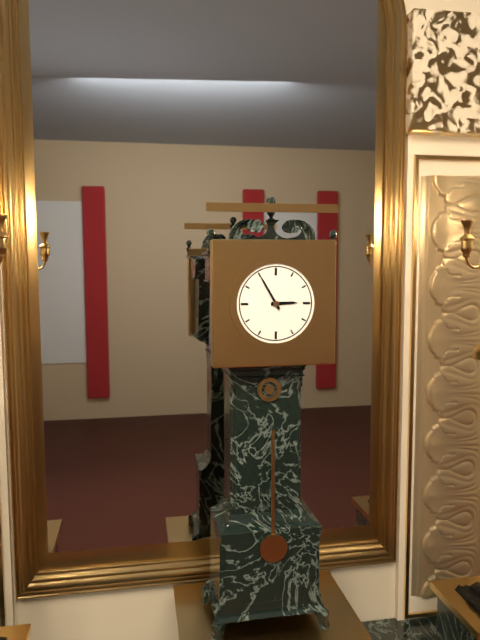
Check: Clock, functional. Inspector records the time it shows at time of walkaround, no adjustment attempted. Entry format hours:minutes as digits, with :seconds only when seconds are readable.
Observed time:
2:55
